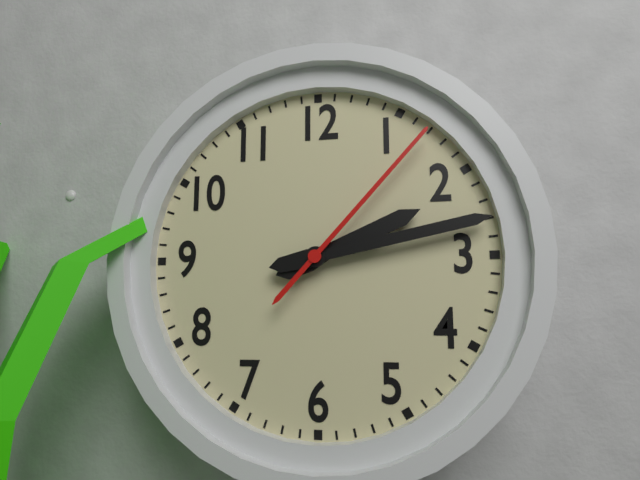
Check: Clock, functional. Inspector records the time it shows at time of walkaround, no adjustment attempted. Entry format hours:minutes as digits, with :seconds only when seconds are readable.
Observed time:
2:13:07
